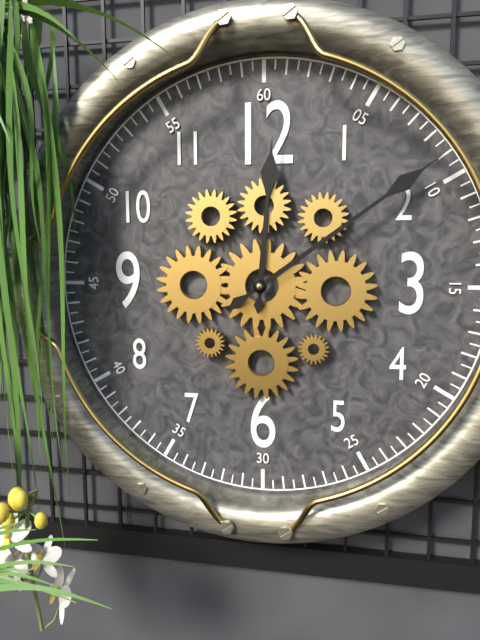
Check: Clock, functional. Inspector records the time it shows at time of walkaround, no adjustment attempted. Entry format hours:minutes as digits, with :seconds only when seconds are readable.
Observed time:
12:09
